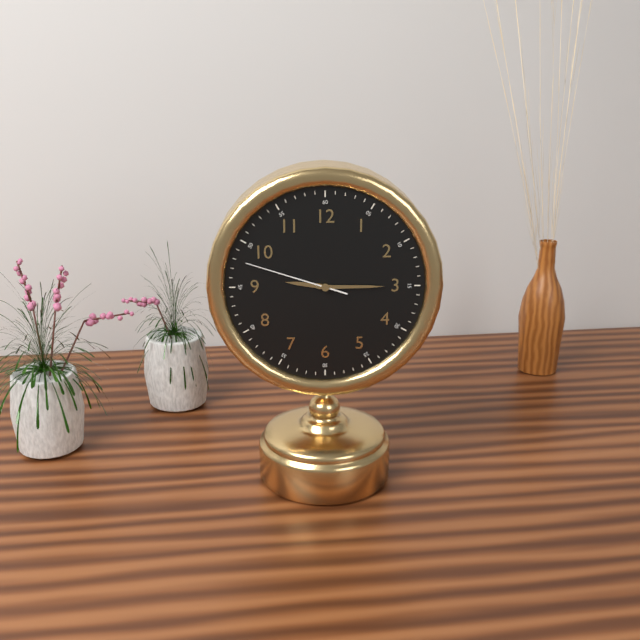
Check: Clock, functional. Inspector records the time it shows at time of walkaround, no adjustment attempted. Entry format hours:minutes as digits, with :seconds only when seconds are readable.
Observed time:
9:15:48
